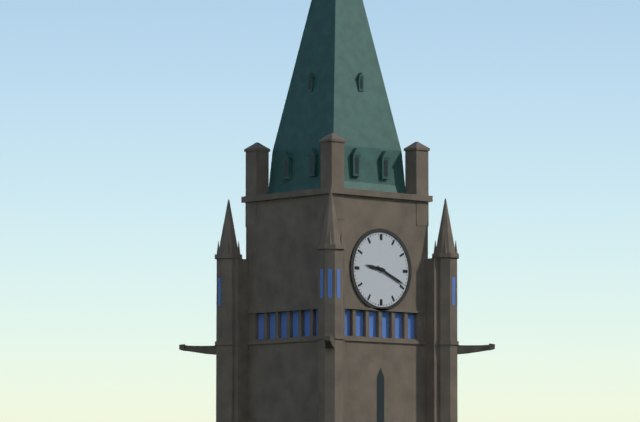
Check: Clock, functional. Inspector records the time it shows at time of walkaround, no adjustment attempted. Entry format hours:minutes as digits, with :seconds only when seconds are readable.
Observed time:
9:19
